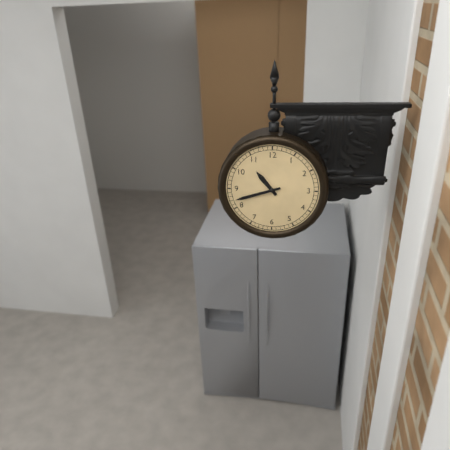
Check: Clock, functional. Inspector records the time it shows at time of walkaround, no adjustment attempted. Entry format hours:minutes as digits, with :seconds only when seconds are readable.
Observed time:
10:42
